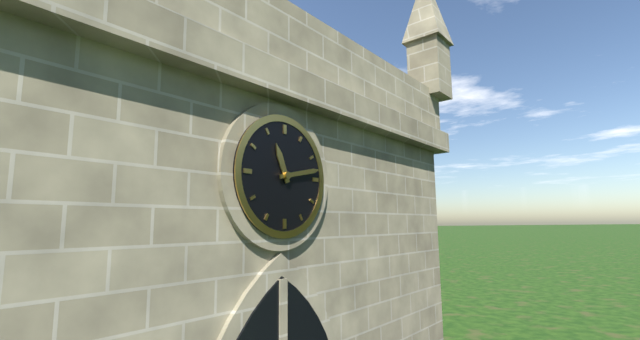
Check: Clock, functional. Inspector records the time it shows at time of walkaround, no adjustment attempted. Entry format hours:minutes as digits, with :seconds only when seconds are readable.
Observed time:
11:13
